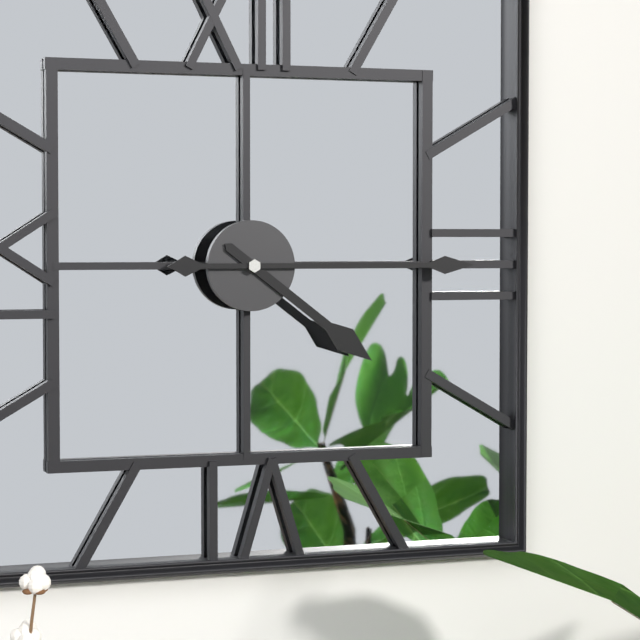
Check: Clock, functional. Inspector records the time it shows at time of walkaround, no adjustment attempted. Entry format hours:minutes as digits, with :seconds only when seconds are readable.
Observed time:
4:15
